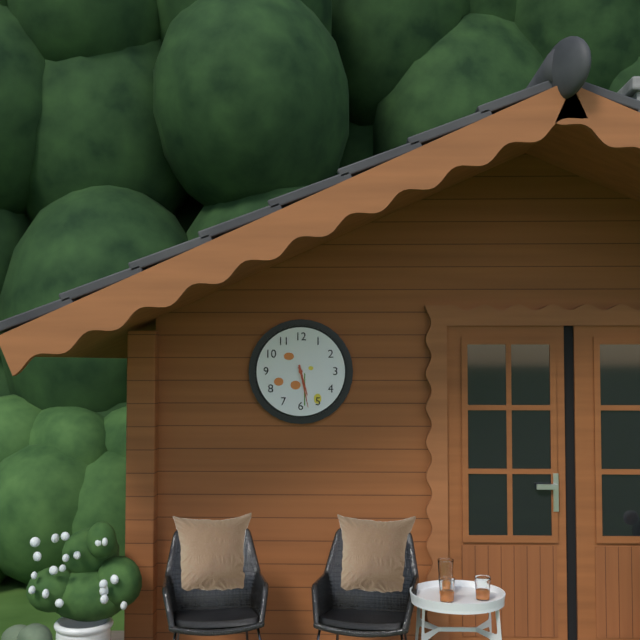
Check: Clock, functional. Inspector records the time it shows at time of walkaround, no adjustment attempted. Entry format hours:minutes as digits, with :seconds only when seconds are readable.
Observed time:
5:28
